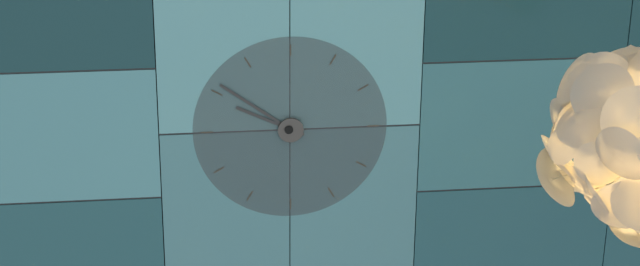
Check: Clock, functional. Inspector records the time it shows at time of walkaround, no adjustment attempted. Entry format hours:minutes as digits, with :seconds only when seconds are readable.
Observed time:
9:51
